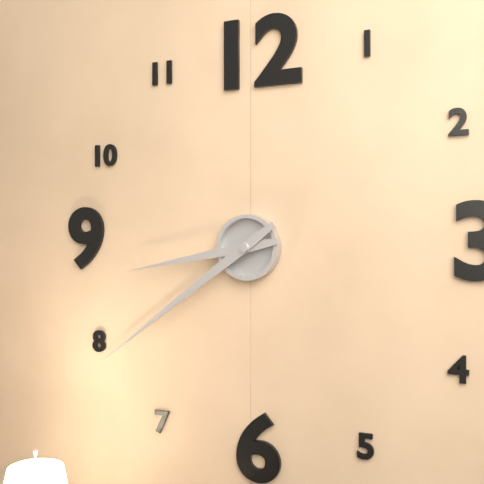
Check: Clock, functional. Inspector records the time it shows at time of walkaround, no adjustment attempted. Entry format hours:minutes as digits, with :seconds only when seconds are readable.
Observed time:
8:39
